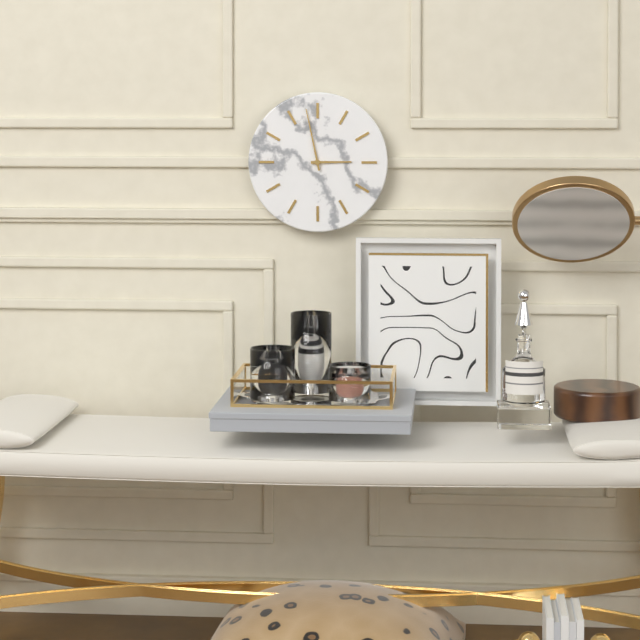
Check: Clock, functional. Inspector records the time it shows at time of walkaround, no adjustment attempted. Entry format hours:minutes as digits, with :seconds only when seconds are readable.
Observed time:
2:58
